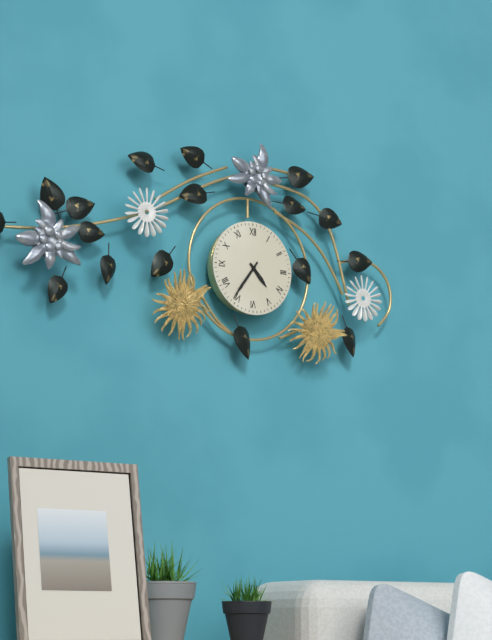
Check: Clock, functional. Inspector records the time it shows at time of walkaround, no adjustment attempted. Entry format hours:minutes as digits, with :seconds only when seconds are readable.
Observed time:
4:36
